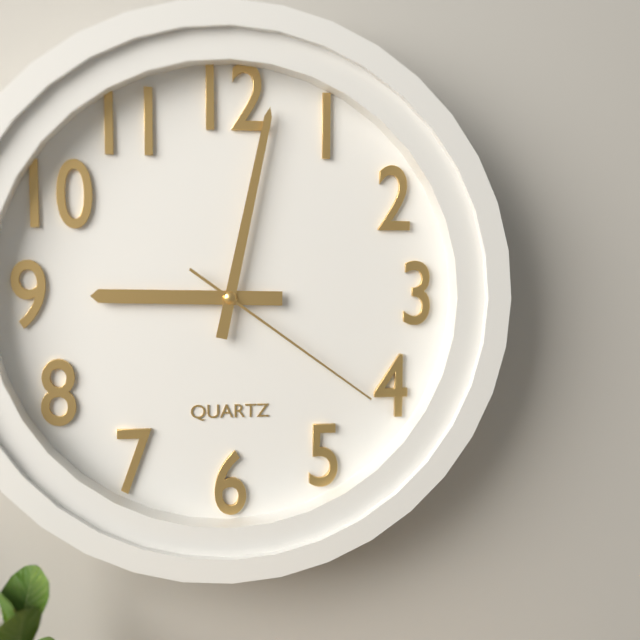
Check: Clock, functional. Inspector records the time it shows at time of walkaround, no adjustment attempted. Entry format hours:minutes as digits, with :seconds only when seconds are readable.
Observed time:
9:02:21
